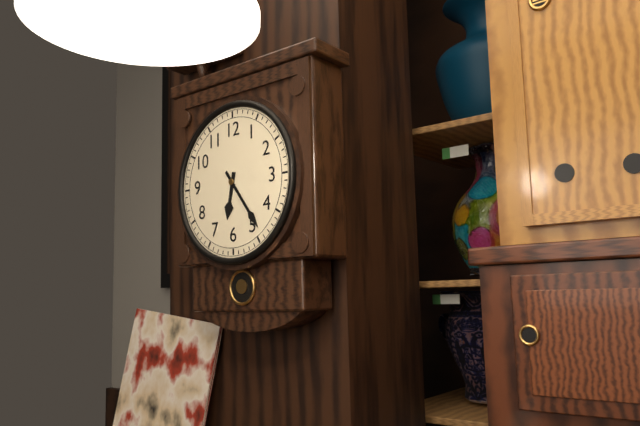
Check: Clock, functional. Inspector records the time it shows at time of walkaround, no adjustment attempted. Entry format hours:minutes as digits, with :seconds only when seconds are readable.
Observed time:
6:24
